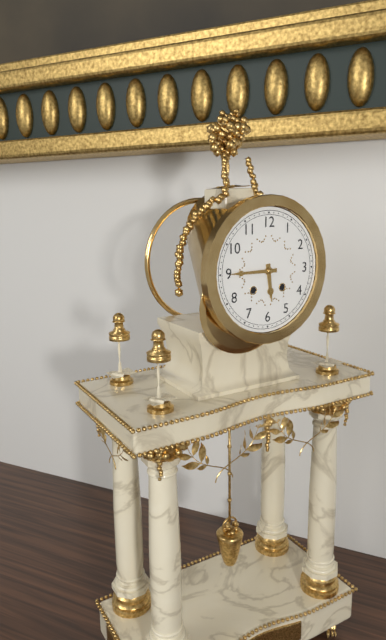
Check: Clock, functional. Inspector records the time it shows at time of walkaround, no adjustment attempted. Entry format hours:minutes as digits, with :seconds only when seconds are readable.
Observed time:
5:45
